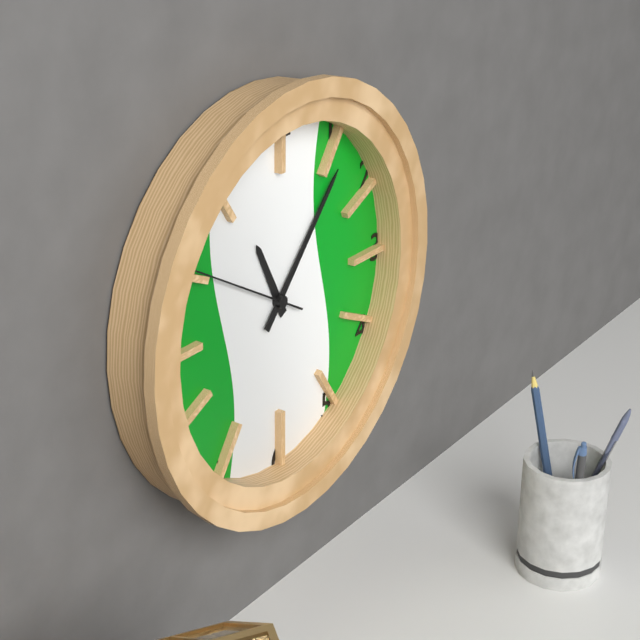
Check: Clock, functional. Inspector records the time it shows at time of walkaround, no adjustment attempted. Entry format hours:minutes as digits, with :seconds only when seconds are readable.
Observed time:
11:07:50
